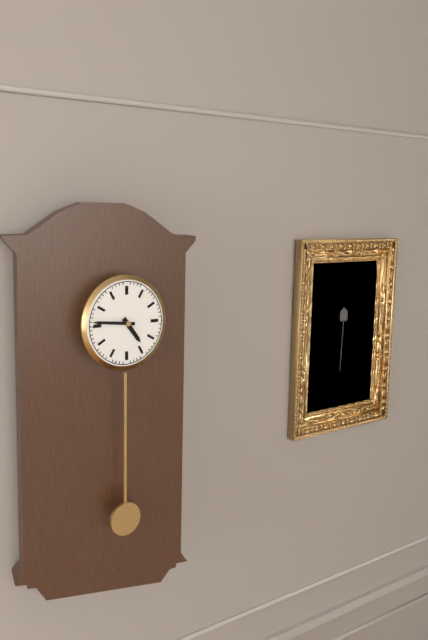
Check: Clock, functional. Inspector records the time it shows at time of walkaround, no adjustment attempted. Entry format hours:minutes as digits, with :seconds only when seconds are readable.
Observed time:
4:46
